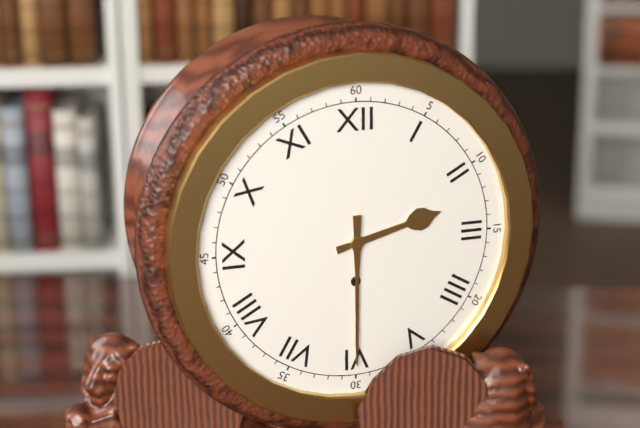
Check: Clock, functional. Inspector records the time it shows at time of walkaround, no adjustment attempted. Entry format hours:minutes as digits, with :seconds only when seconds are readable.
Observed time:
2:30
